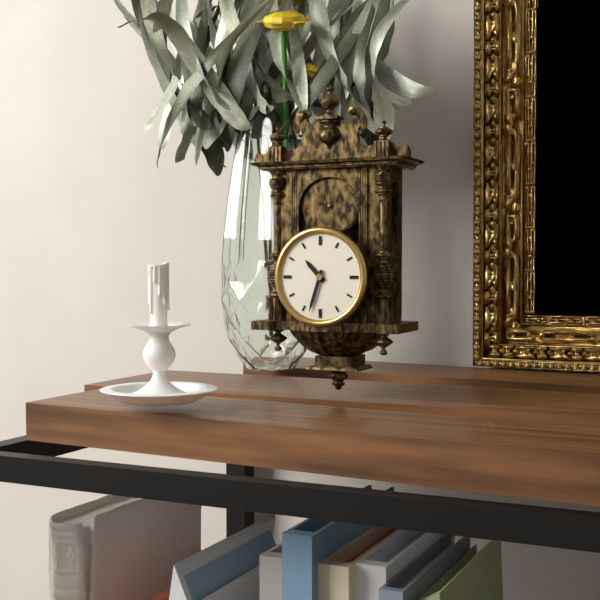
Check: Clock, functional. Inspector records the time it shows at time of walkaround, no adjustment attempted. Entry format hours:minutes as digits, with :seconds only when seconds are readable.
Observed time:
10:33
